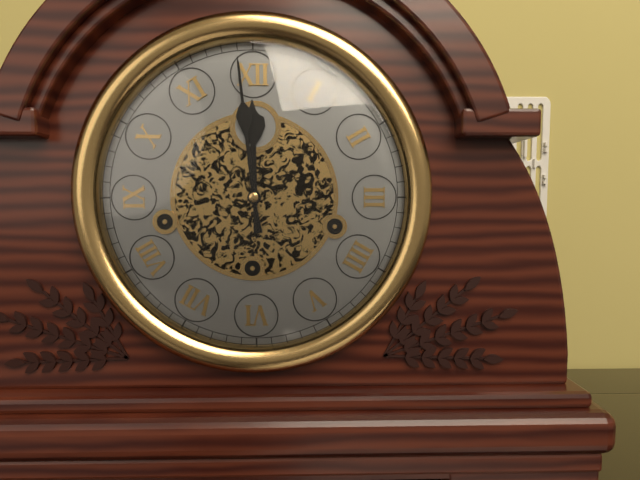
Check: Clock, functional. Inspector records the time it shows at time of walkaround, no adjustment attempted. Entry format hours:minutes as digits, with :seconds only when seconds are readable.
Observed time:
11:59
